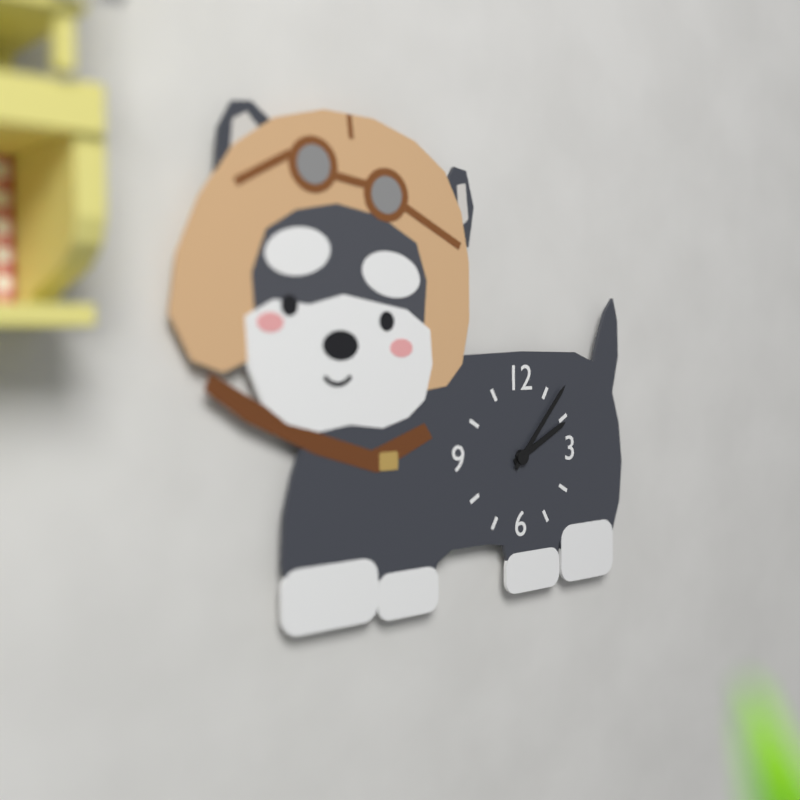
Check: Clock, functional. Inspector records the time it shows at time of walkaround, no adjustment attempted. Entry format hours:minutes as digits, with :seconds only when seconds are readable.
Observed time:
2:07
